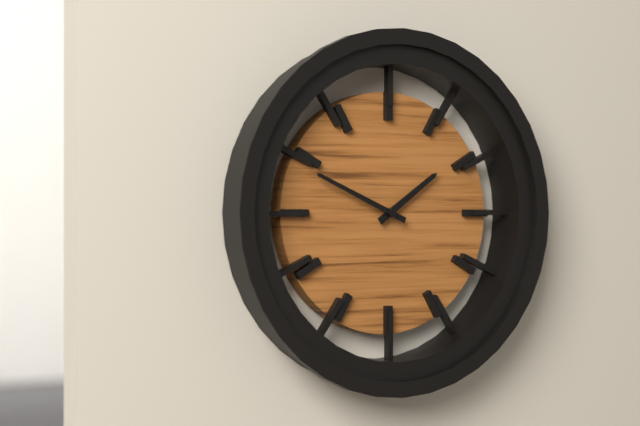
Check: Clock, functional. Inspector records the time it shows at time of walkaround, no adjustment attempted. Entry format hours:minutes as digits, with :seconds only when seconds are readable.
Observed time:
1:49
